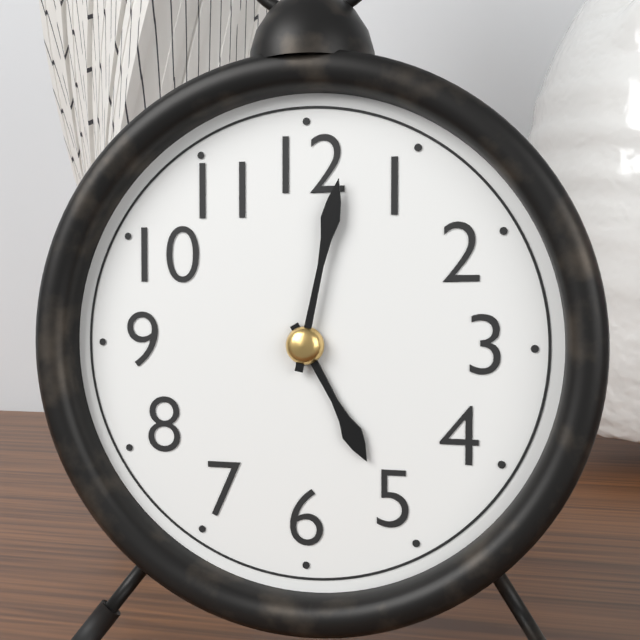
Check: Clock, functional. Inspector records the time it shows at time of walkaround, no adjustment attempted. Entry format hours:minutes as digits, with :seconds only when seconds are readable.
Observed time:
5:02
